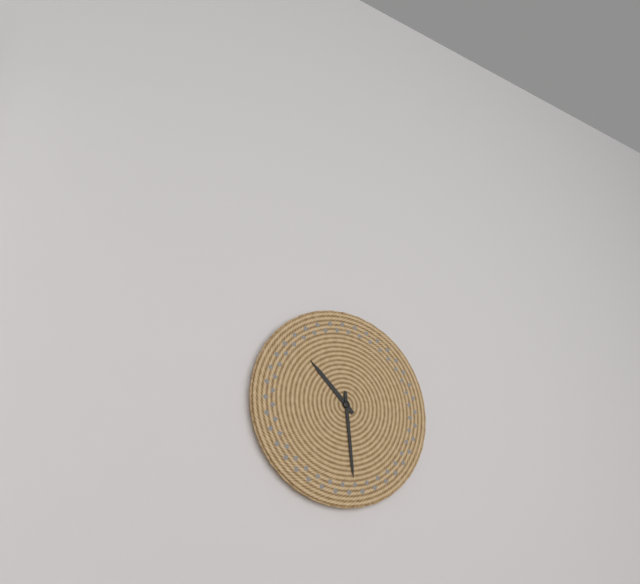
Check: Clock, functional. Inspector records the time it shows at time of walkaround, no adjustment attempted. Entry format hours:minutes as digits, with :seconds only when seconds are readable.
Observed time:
10:29
